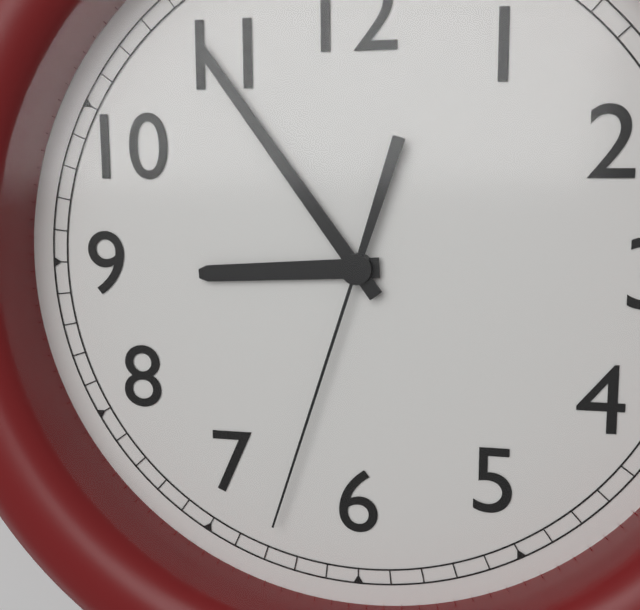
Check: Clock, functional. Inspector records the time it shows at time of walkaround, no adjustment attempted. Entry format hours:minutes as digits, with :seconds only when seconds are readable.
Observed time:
8:54:33
